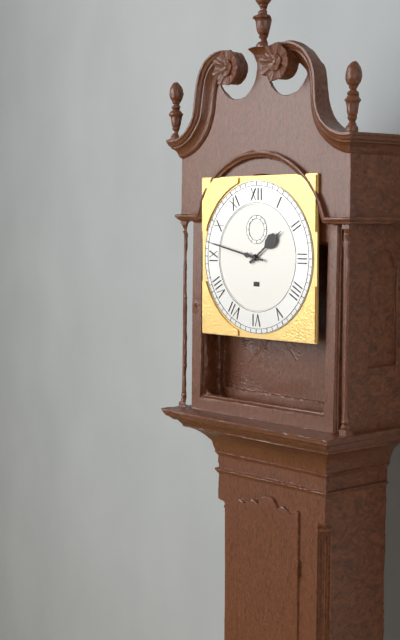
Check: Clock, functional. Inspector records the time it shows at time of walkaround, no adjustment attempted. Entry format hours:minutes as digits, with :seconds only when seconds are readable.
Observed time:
1:47
